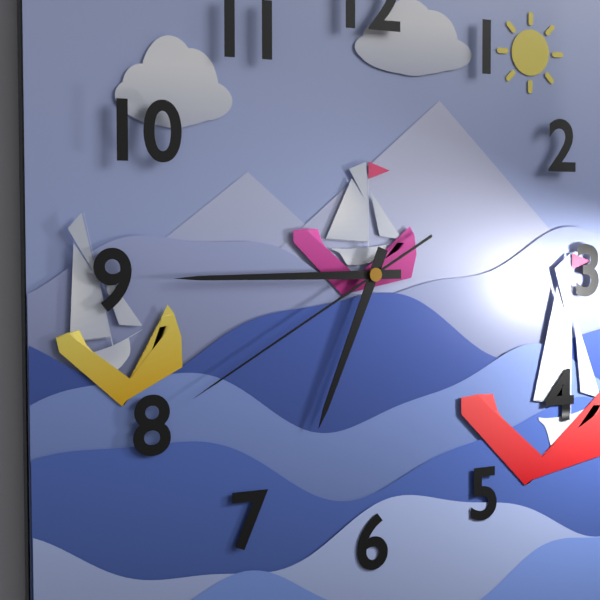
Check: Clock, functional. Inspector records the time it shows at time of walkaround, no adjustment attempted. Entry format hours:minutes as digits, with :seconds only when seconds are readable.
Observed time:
6:45:40
